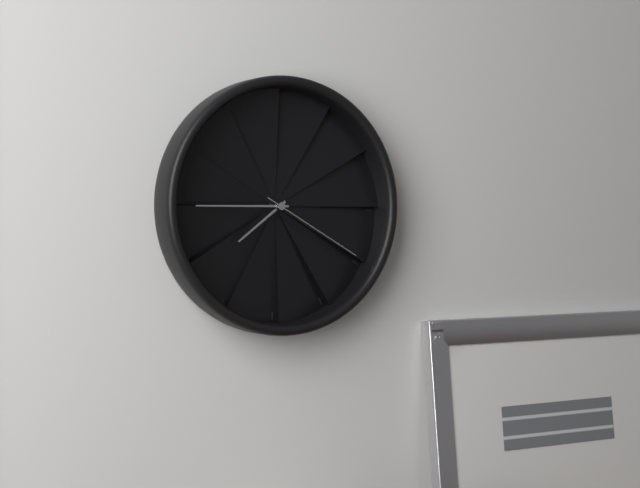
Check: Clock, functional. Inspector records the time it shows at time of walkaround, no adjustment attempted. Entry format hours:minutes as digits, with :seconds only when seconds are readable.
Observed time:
7:45:20
